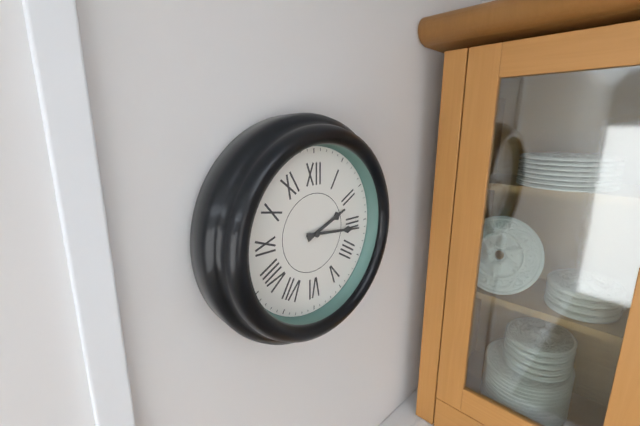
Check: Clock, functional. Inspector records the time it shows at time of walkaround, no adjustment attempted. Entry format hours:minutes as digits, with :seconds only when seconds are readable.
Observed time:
2:16
